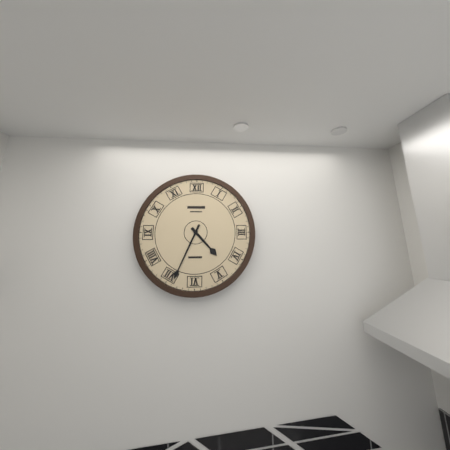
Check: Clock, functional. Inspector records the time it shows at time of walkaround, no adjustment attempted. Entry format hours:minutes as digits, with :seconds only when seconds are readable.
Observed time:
4:34
